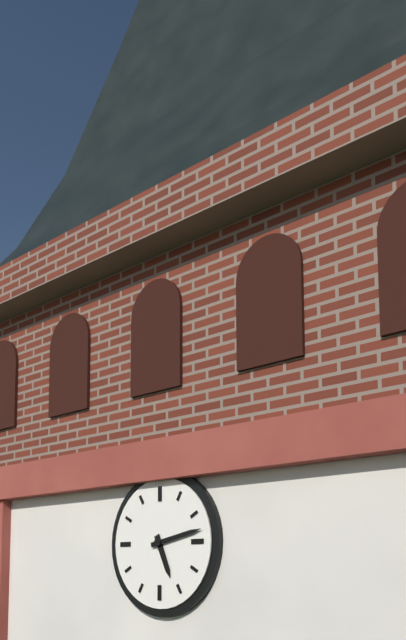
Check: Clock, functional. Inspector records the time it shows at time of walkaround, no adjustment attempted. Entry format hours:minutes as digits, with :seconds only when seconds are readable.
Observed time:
5:13
